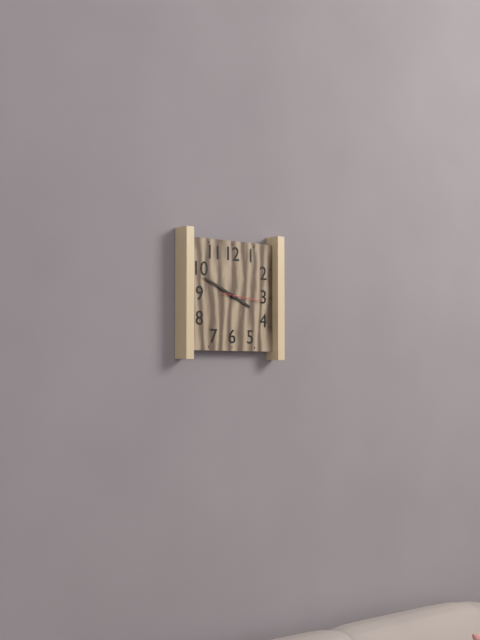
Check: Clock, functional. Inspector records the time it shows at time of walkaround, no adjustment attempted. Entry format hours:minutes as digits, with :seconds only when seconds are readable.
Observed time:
3:49
